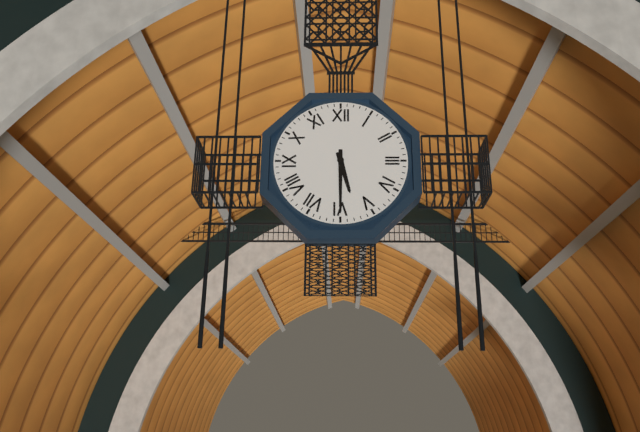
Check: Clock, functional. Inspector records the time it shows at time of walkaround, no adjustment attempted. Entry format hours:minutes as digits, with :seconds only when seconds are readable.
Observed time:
5:30
